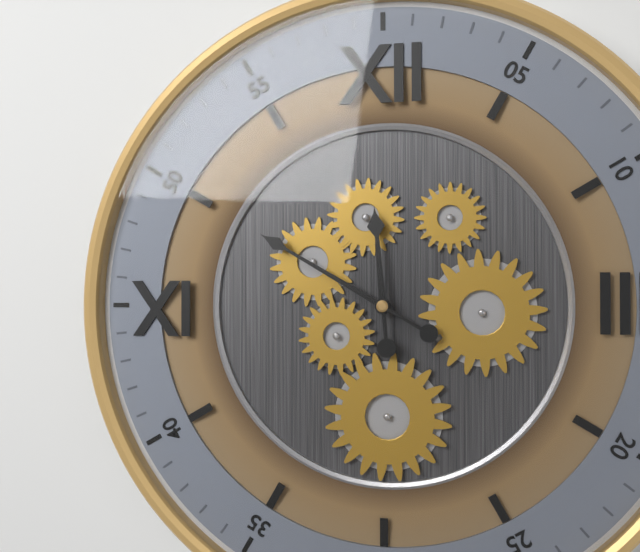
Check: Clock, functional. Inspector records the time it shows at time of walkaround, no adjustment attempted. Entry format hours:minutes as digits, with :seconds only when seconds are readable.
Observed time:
11:50
